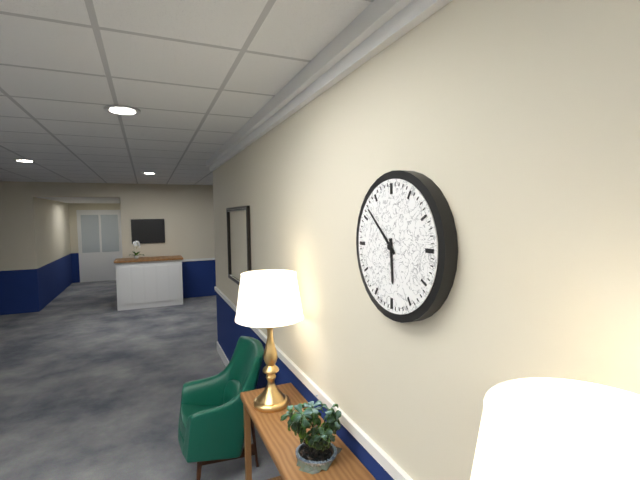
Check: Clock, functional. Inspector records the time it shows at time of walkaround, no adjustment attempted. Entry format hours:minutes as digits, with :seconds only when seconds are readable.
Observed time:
5:52
